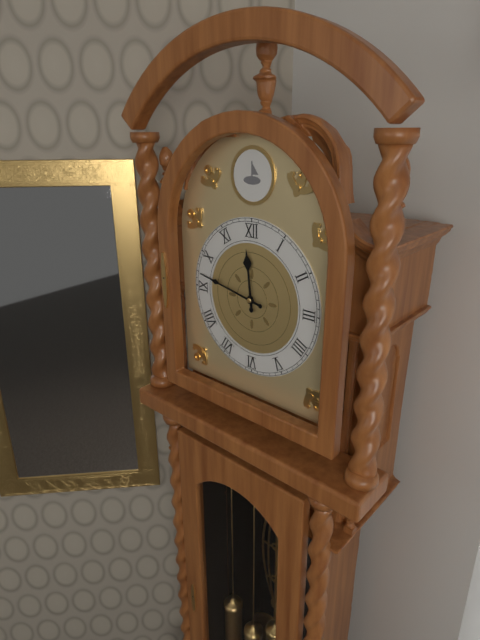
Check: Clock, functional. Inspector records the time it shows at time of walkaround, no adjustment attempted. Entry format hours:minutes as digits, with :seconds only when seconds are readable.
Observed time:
11:47
